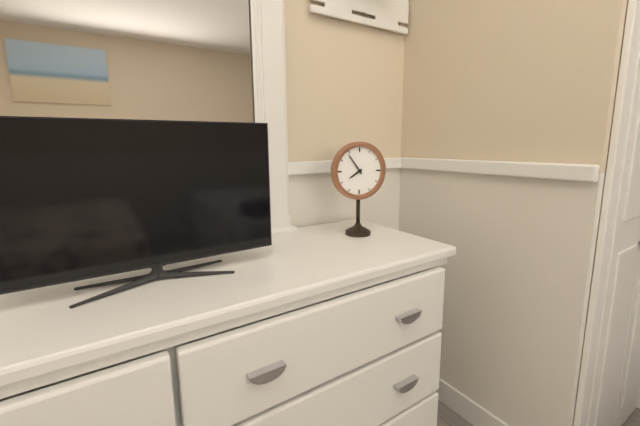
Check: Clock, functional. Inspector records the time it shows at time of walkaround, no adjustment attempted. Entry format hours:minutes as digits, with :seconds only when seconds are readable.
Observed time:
7:54
